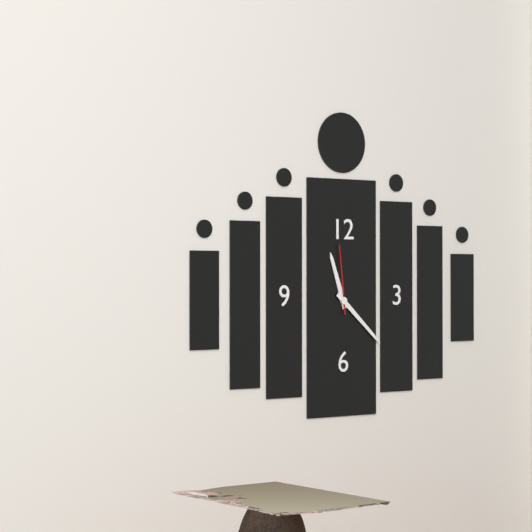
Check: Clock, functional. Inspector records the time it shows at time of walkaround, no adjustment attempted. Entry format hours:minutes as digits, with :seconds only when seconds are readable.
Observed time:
11:22:59
